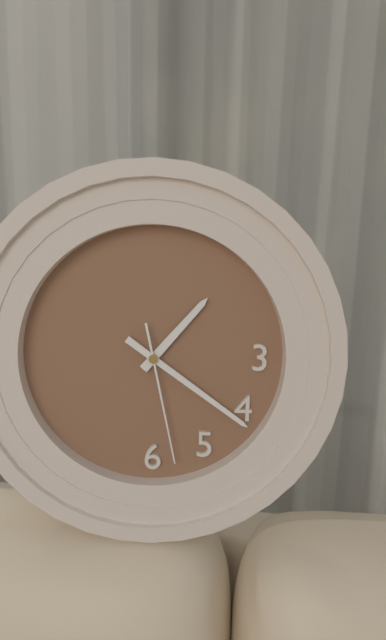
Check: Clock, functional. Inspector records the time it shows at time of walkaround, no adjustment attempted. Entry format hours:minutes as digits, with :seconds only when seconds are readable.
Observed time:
1:21:28
